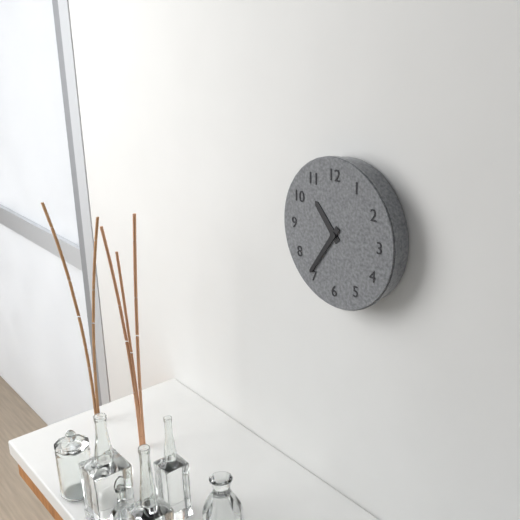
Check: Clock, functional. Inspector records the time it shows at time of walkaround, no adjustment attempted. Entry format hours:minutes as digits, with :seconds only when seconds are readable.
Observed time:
10:36
